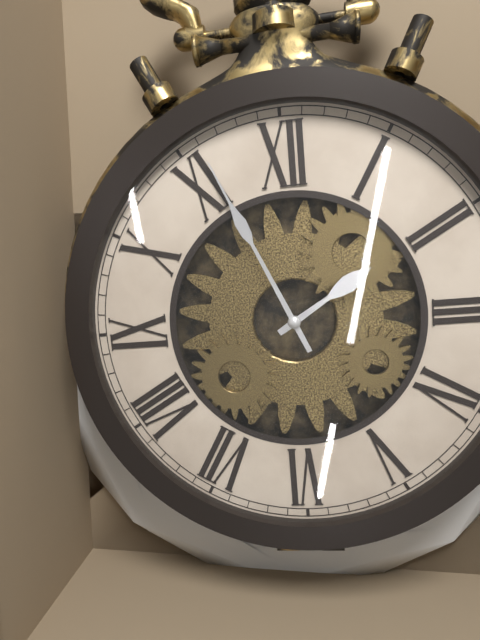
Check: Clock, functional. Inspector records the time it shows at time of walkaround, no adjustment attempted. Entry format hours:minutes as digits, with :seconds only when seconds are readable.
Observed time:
1:56
